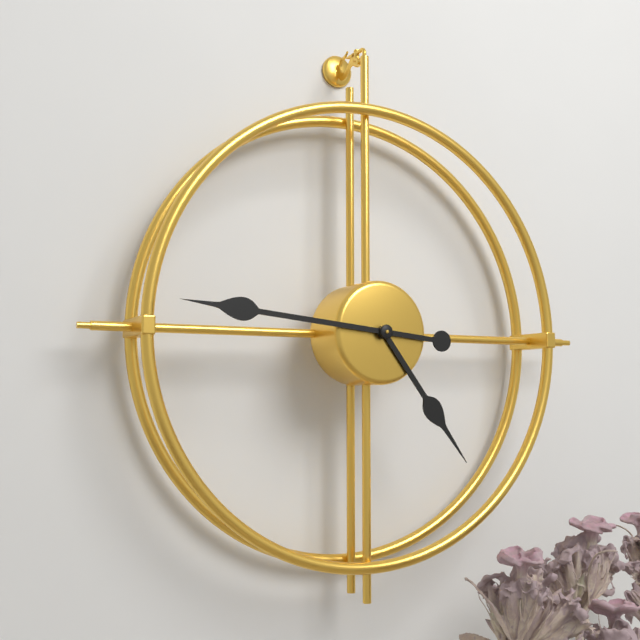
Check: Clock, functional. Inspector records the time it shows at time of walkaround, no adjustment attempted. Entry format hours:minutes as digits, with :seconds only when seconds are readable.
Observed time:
4:46
